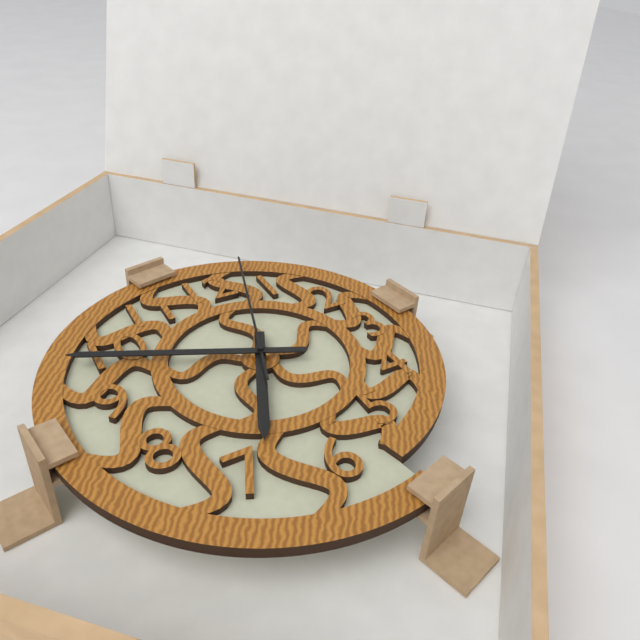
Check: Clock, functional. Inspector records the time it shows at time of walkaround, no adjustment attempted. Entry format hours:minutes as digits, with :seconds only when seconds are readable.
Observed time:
6:49:03
